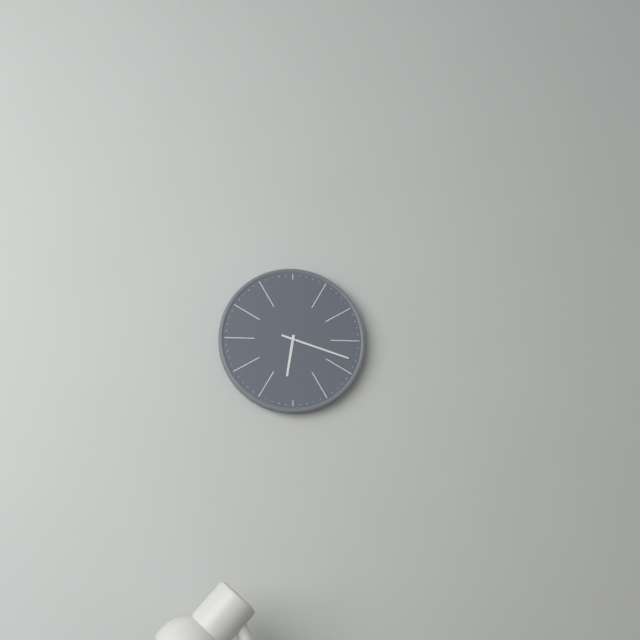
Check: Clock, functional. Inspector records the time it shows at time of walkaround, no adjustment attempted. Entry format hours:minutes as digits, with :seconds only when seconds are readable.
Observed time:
6:18
